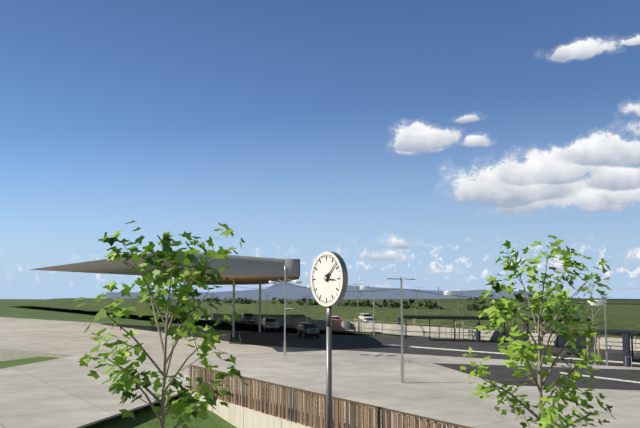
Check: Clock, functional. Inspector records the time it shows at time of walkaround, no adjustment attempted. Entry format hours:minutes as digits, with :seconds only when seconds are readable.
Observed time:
3:08
